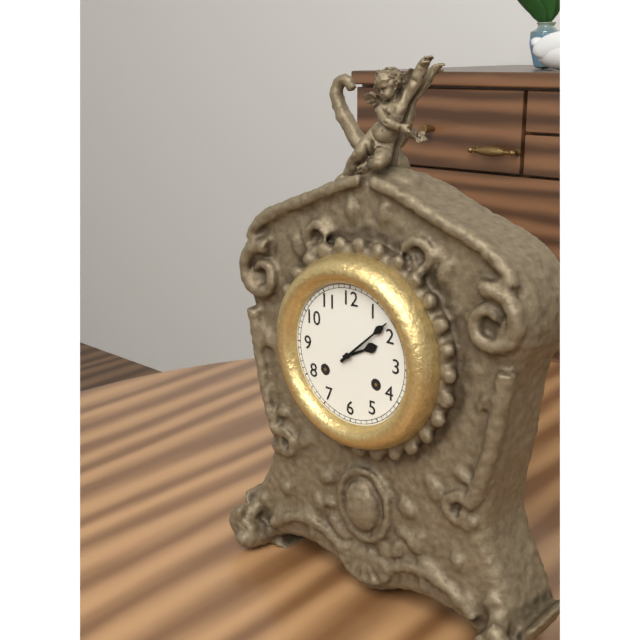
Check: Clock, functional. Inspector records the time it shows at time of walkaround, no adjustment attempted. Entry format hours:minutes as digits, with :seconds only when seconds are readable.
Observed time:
2:08
